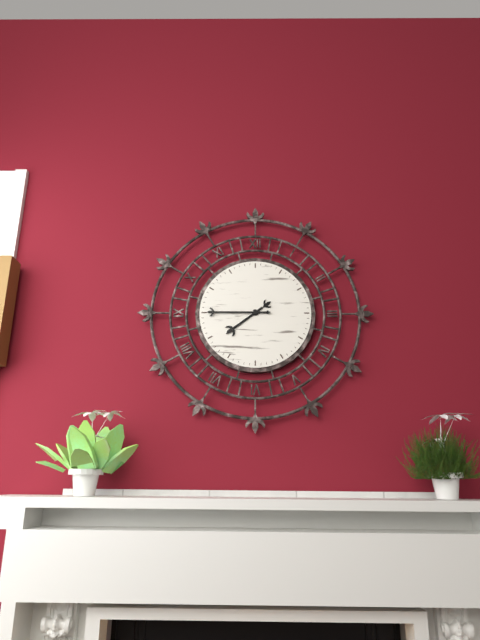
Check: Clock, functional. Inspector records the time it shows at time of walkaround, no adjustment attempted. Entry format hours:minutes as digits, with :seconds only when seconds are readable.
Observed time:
7:45
